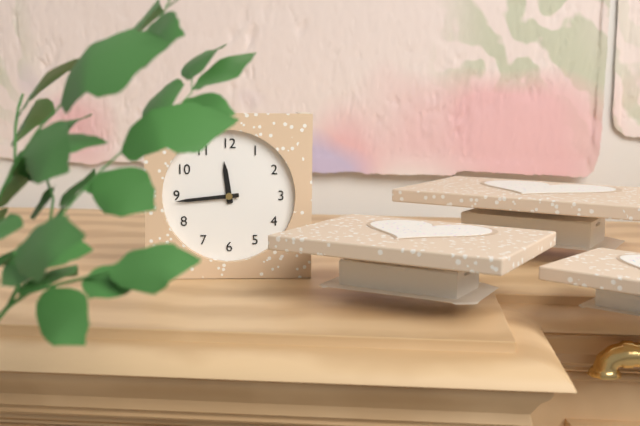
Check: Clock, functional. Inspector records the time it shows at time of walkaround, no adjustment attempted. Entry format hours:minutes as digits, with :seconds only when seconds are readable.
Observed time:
11:44
